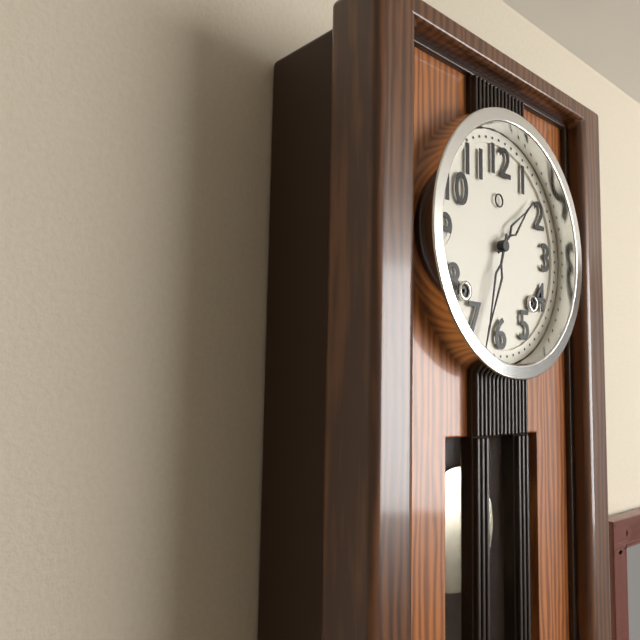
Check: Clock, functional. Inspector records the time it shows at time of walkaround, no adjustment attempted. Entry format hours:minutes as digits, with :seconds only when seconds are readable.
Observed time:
1:33
